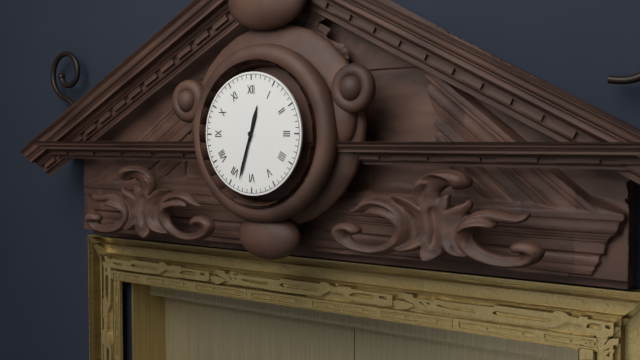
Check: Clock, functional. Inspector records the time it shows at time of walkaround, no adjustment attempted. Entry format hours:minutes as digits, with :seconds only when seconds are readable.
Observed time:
12:33
